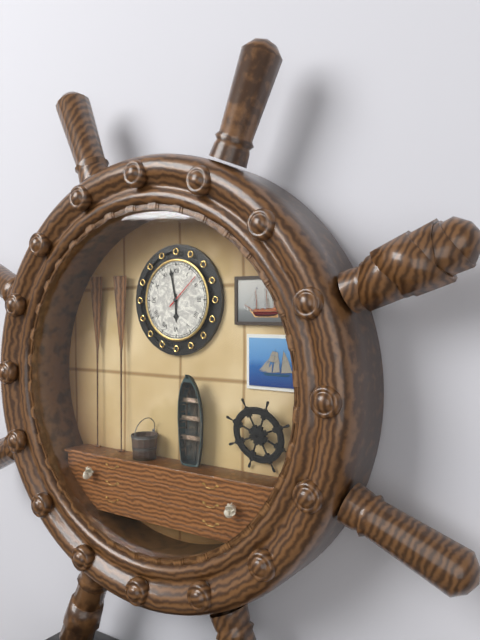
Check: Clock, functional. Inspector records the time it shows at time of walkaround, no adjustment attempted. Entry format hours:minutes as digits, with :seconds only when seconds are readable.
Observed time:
5:58
